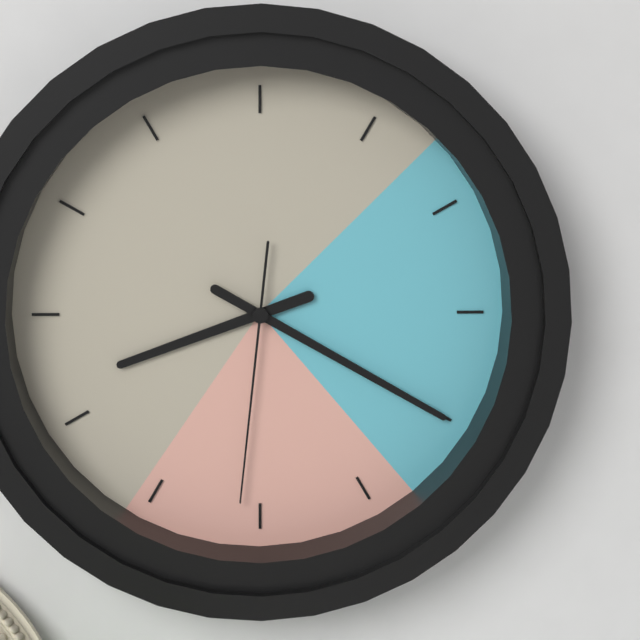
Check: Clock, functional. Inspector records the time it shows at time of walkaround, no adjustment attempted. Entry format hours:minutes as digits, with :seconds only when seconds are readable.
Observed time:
8:20:31
